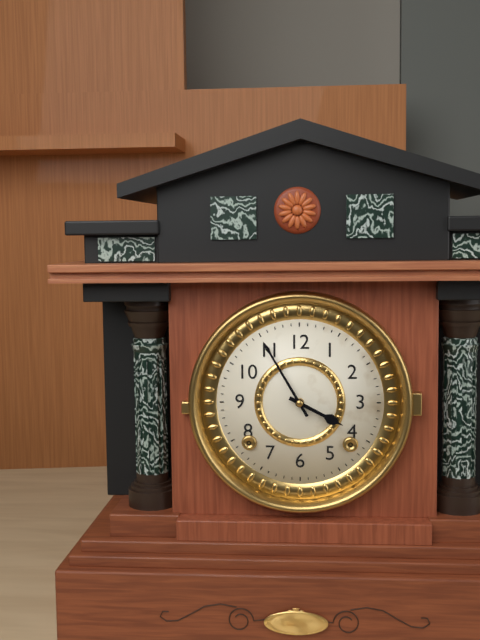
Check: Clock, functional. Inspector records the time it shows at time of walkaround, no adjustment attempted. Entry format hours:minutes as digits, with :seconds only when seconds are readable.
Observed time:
3:55
